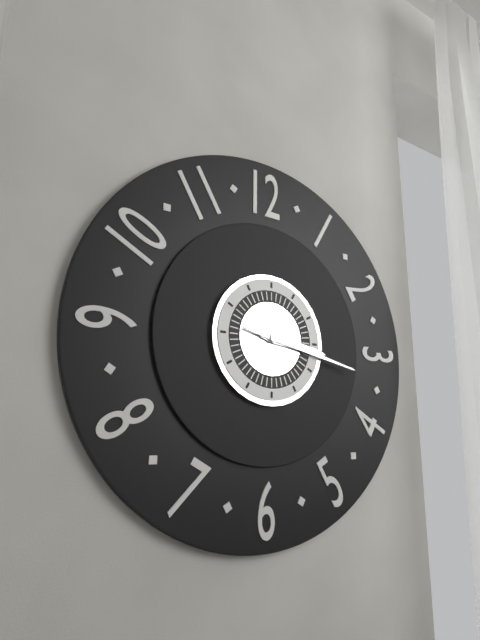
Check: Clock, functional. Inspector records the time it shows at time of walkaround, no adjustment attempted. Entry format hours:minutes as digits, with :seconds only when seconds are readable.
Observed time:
3:17
